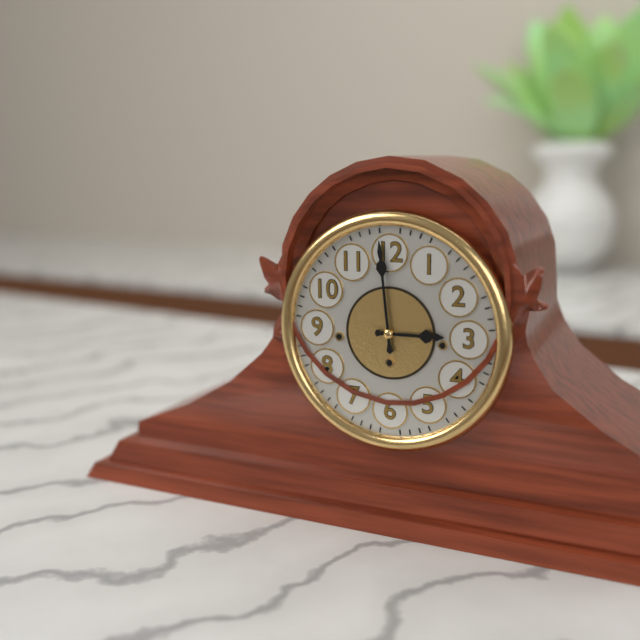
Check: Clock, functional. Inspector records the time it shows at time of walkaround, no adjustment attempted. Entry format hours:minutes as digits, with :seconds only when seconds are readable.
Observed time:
2:59
